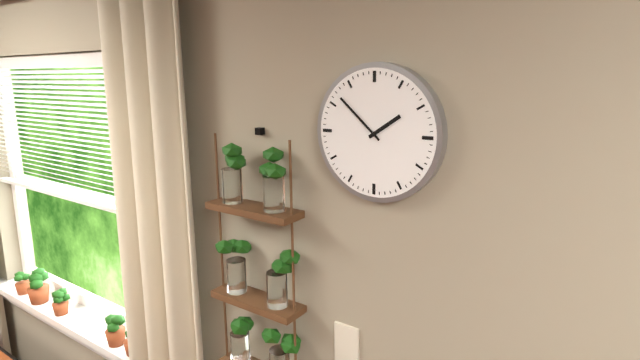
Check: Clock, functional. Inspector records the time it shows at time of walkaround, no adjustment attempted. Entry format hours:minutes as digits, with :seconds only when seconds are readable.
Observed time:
1:52
